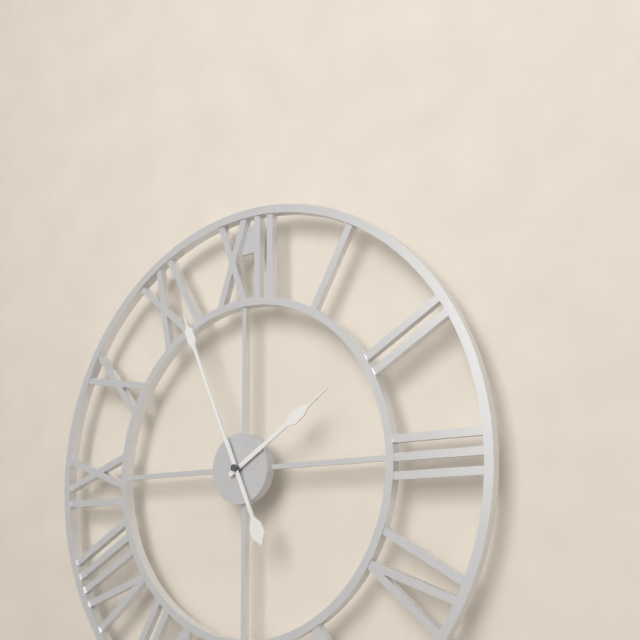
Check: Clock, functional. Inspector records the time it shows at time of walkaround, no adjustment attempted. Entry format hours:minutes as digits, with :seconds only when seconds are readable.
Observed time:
1:56
